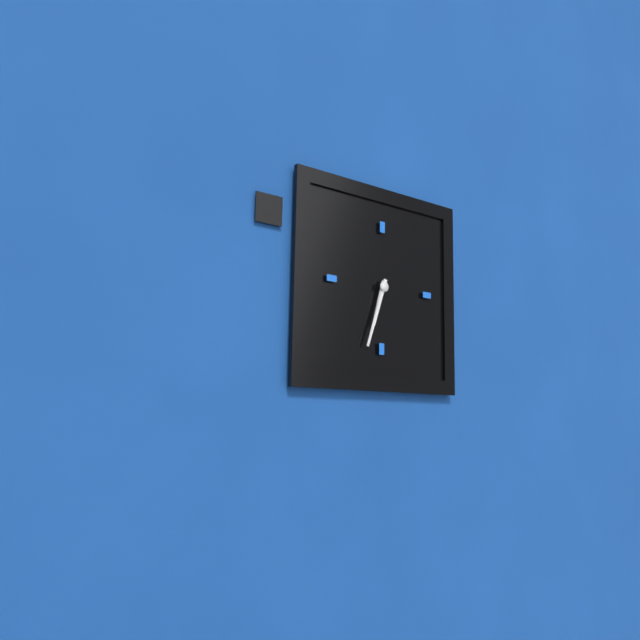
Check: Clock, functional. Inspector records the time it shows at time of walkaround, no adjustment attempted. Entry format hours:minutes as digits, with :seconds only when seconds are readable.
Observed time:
6:33
